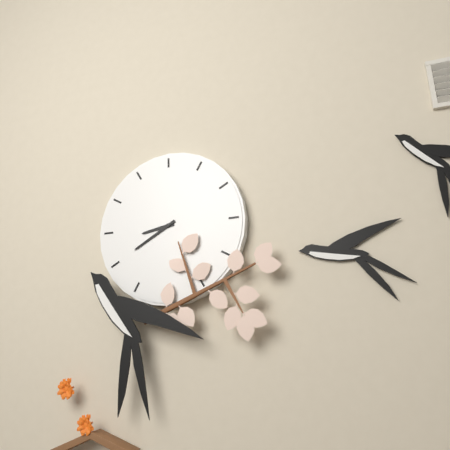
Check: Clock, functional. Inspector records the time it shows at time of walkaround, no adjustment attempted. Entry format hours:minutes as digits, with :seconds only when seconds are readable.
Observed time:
8:40
